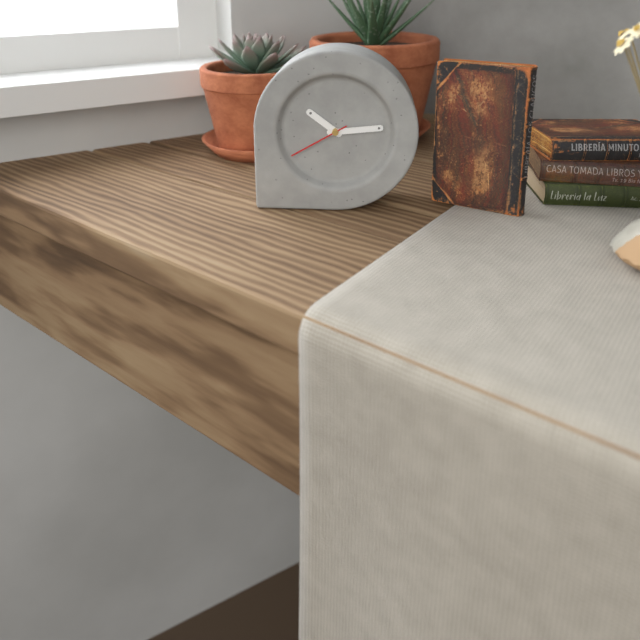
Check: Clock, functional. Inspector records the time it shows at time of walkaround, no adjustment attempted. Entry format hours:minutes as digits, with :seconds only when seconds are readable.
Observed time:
10:14:40
